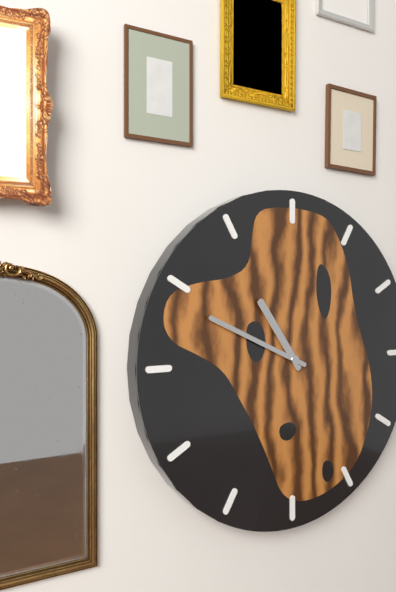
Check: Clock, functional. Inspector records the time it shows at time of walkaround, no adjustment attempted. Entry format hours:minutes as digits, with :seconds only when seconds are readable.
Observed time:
10:49
